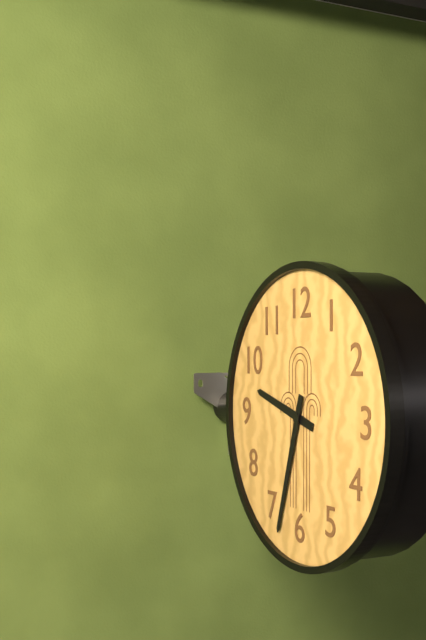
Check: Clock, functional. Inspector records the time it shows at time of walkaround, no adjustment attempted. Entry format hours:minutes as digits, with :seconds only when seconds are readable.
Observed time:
9:33
